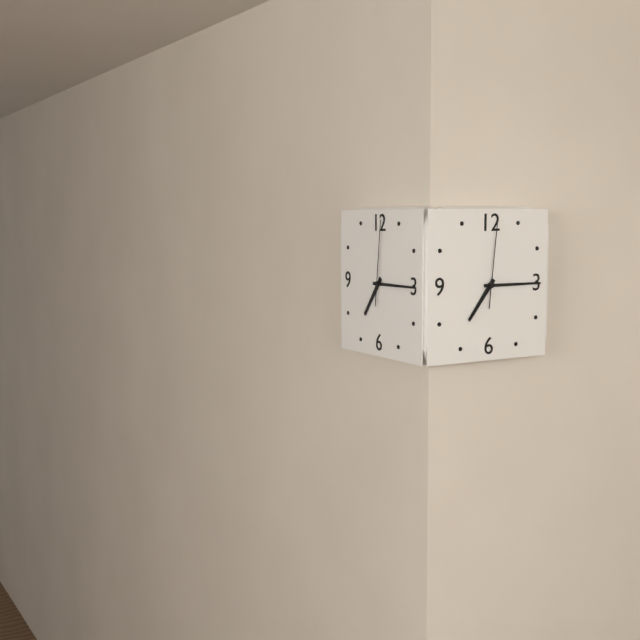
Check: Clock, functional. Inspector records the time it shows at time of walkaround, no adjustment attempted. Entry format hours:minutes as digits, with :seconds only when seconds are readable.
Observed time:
7:15:01
